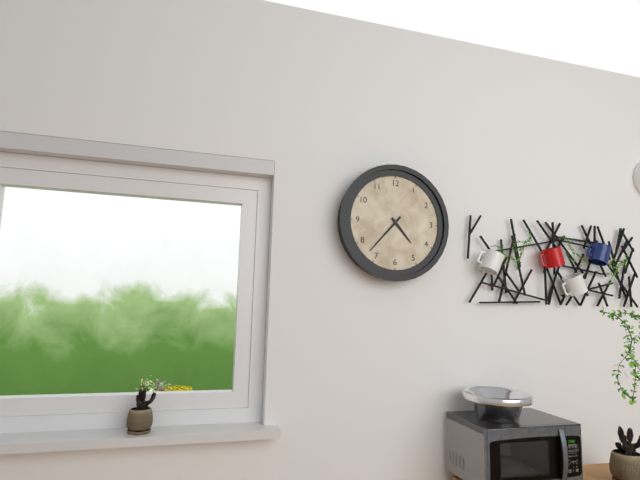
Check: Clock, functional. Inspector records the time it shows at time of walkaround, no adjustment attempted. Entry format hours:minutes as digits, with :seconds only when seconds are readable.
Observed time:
4:37
